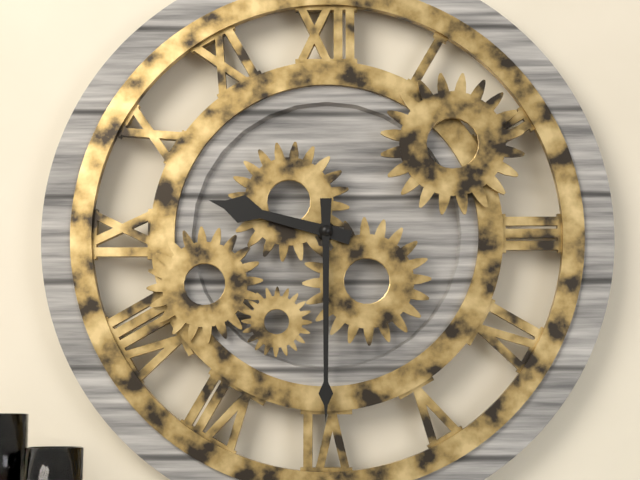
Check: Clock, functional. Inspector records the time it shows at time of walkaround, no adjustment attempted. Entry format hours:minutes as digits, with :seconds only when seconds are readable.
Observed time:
9:30
